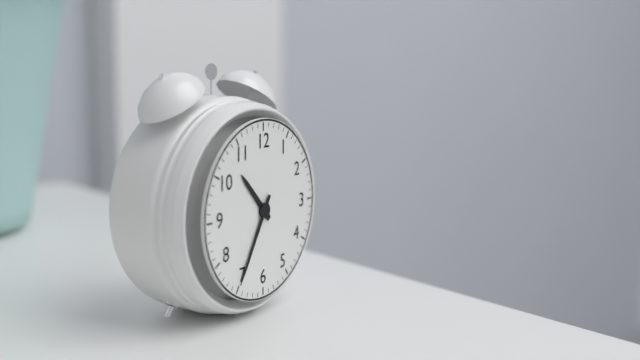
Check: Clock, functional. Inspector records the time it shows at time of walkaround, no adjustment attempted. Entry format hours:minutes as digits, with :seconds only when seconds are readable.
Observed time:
10:35
